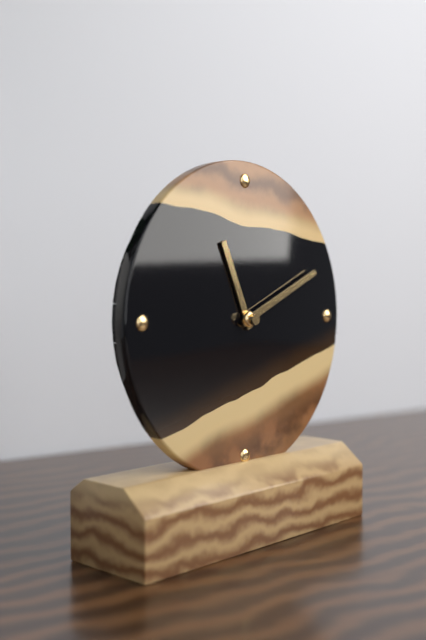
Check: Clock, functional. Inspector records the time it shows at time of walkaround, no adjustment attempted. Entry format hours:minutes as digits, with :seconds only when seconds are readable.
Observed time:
11:11
